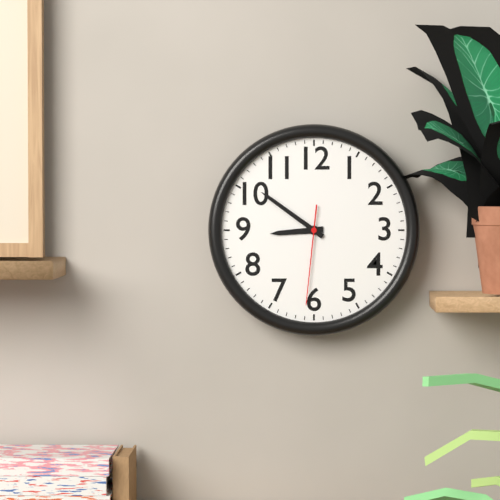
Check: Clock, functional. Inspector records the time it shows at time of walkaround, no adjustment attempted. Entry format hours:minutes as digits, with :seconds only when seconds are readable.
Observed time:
8:51:31
